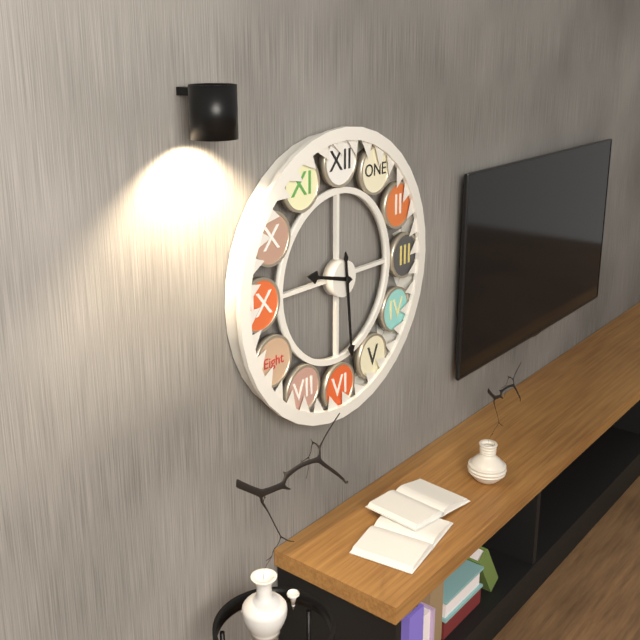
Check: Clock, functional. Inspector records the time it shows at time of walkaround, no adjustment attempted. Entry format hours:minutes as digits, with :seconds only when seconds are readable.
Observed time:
9:29
